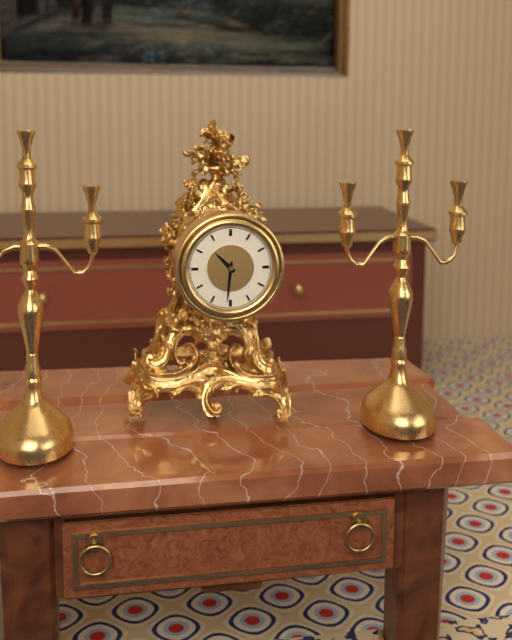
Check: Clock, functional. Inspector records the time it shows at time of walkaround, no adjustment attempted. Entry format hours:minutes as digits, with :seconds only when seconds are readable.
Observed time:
10:31
